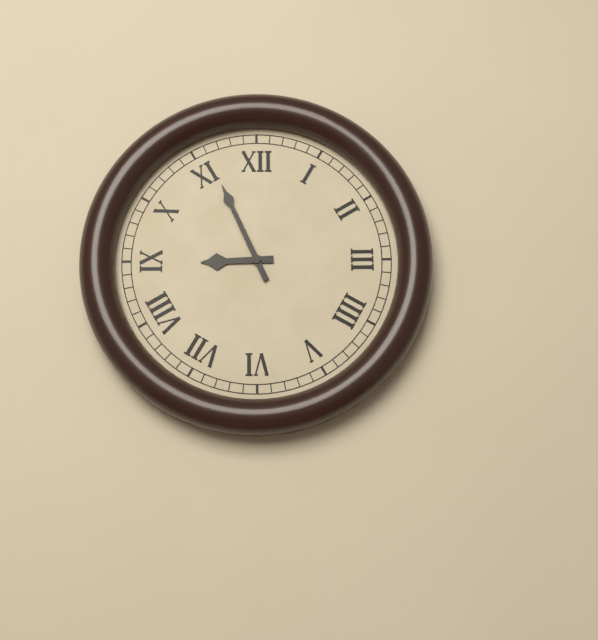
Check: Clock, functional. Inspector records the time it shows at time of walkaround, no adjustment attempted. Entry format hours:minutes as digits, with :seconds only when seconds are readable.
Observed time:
8:56
